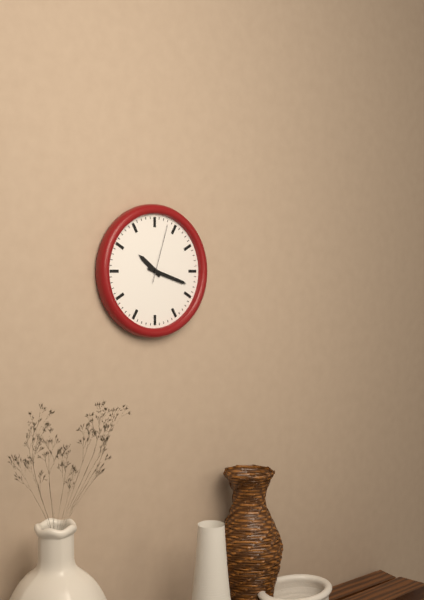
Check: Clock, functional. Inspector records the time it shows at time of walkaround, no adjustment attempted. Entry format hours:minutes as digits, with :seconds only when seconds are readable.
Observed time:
10:18:03
